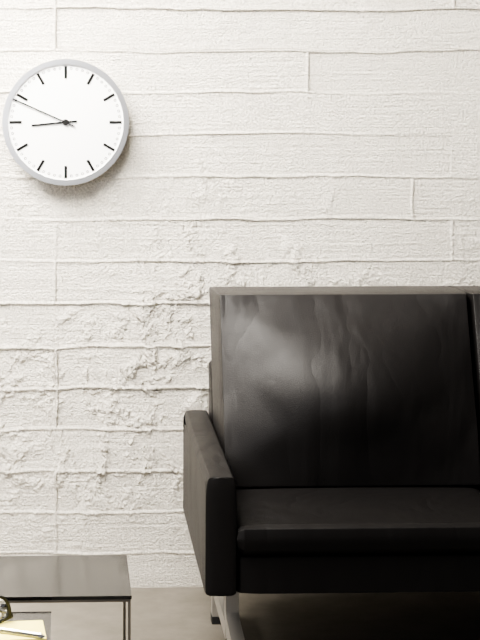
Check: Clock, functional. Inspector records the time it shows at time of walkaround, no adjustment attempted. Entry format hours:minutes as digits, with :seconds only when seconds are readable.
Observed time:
8:49
